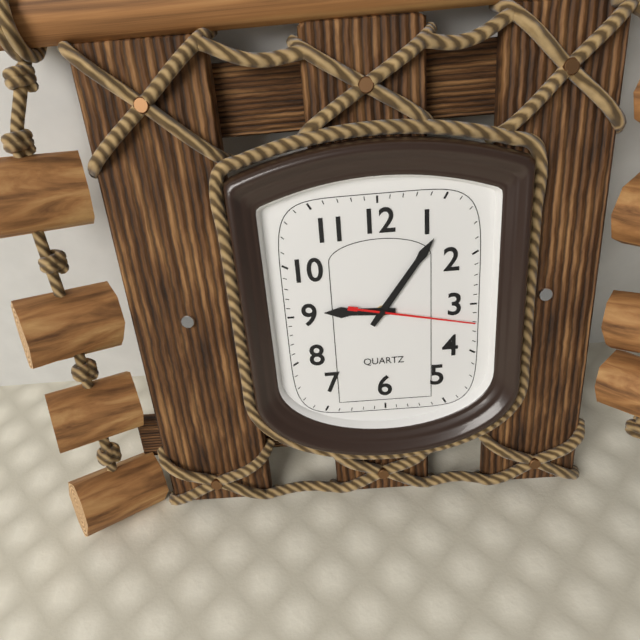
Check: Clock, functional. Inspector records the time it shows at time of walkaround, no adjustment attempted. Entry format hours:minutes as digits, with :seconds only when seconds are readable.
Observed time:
9:06:17
